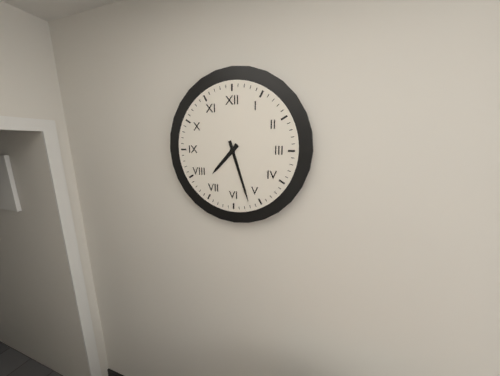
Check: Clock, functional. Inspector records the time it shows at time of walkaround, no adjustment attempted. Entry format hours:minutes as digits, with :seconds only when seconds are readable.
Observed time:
7:27
